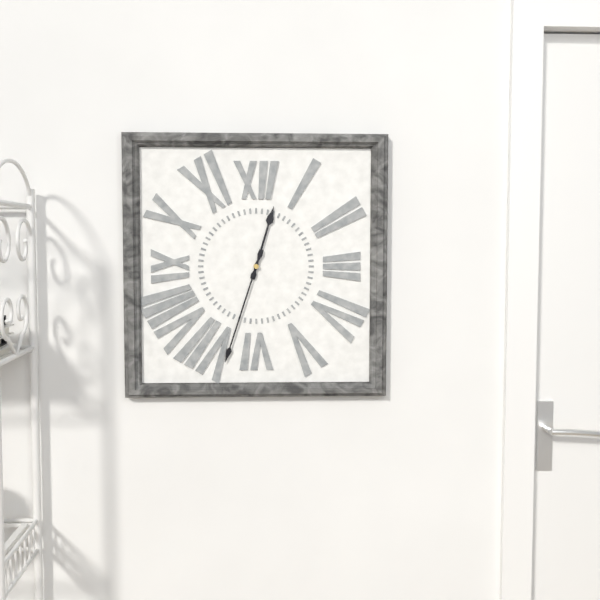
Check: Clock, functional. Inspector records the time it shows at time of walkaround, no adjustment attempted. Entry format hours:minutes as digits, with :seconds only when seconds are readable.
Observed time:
12:33
